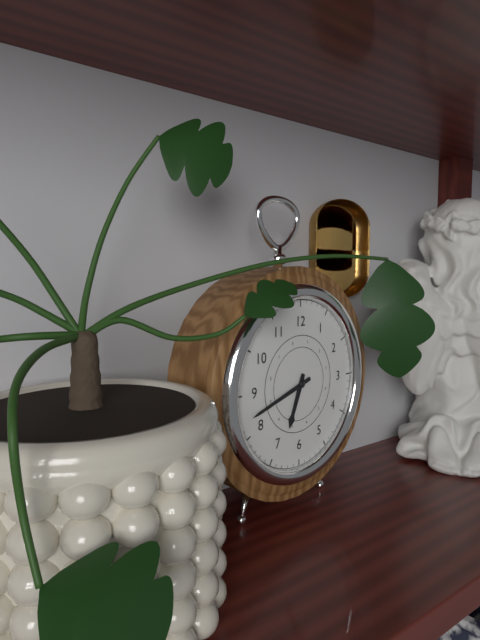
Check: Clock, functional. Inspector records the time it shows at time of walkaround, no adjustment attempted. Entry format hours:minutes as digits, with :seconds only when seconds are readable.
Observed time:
6:42
